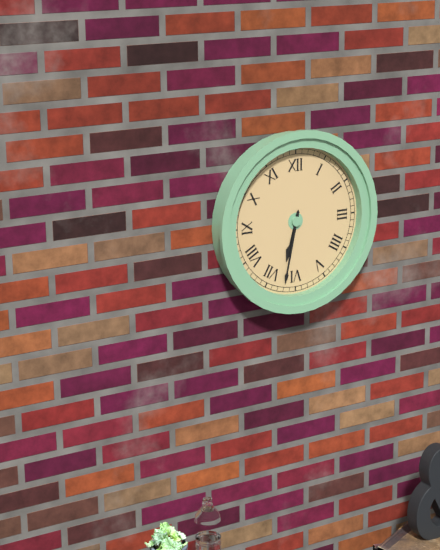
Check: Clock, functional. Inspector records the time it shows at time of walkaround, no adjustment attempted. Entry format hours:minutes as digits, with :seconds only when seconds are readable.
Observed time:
6:32
